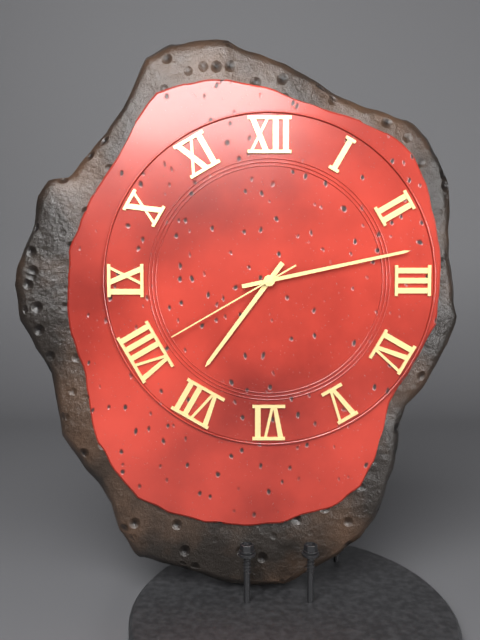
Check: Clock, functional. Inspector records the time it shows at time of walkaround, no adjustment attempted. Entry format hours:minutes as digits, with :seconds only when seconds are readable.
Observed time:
7:13:40
